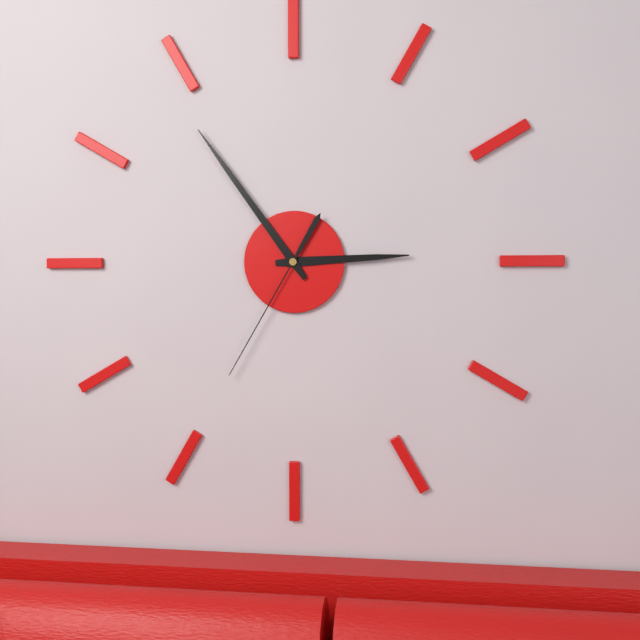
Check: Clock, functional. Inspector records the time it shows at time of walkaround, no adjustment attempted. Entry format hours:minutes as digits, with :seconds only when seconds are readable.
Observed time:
2:54:35
